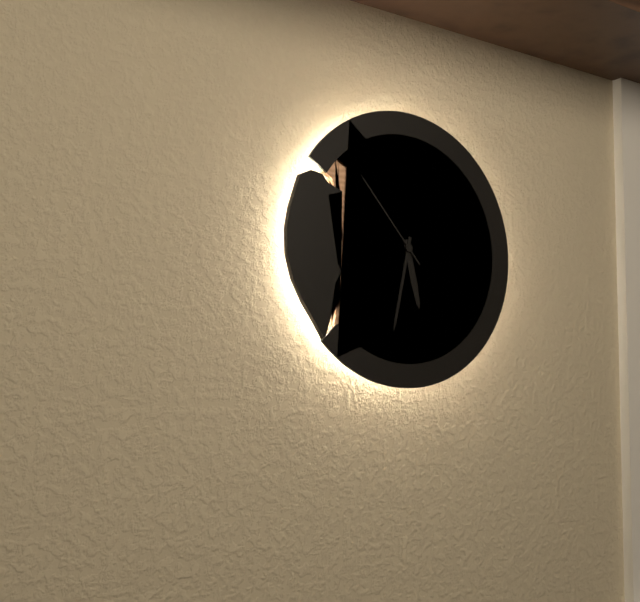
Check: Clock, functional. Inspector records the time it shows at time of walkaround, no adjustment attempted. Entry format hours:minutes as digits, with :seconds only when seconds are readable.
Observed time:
5:32:53
